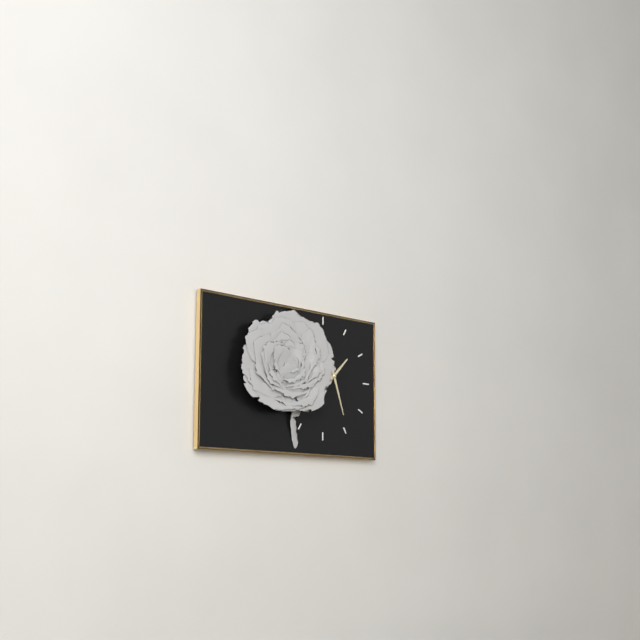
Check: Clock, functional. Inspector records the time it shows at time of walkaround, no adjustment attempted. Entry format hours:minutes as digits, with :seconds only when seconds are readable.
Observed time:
1:27
